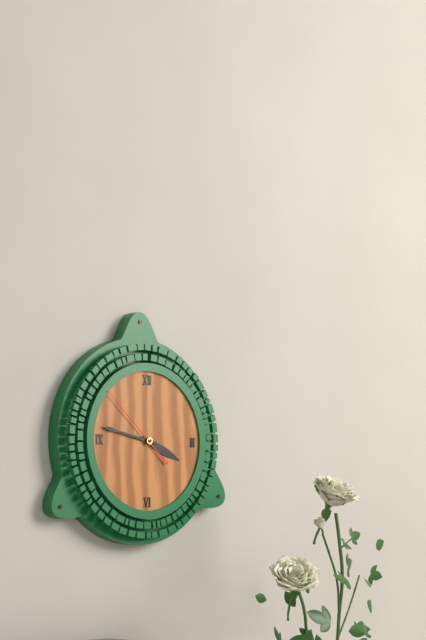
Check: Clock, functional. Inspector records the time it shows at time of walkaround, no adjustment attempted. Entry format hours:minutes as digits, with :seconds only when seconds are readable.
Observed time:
3:47:52
